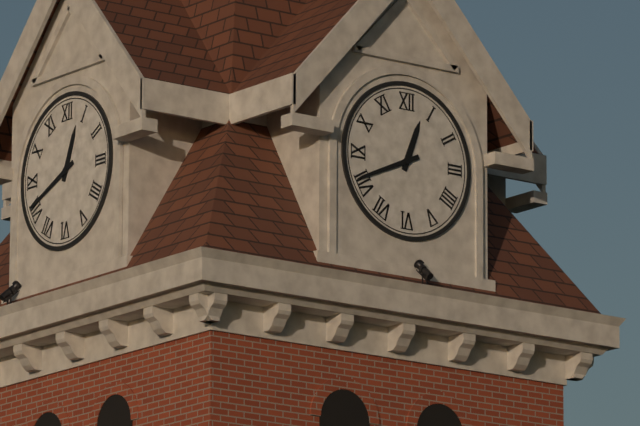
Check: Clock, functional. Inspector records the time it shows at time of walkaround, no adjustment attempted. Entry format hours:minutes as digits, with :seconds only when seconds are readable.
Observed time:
12:41
